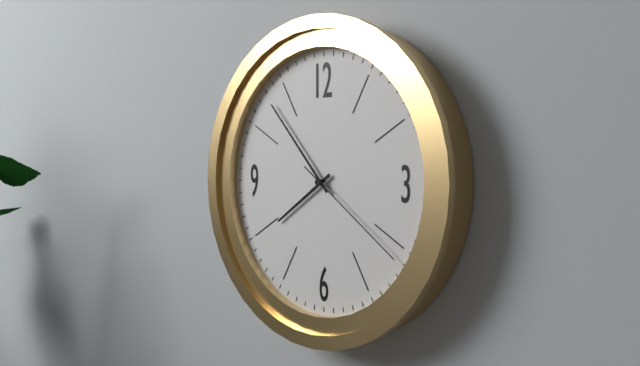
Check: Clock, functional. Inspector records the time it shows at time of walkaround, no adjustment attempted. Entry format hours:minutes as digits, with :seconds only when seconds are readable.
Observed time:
7:53:21
